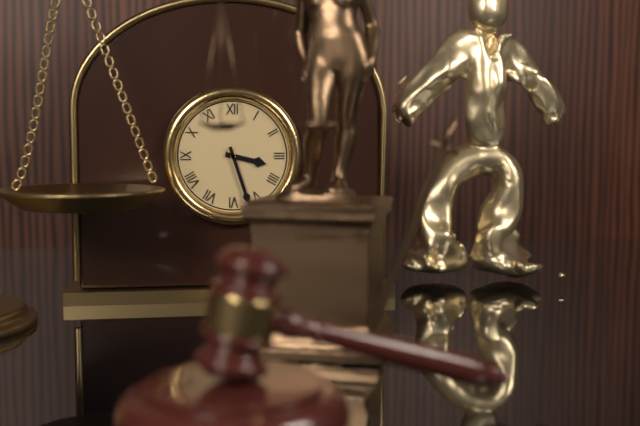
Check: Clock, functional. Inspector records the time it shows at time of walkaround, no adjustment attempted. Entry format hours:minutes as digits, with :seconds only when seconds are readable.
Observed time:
3:27
